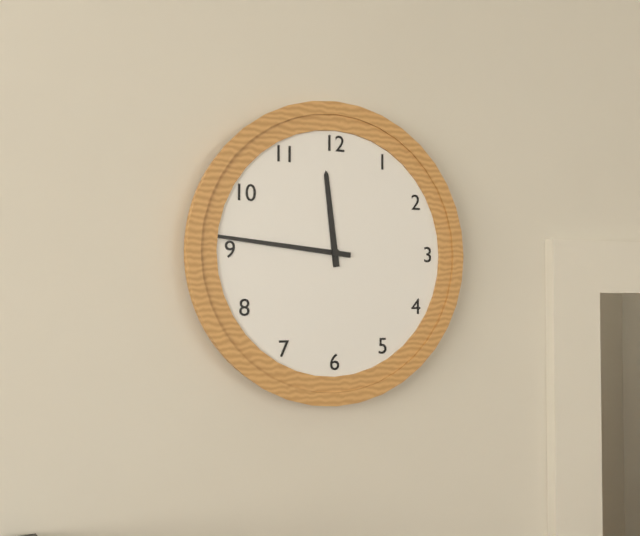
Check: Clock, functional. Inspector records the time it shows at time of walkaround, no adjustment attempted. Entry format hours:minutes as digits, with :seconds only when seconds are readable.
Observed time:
11:46
